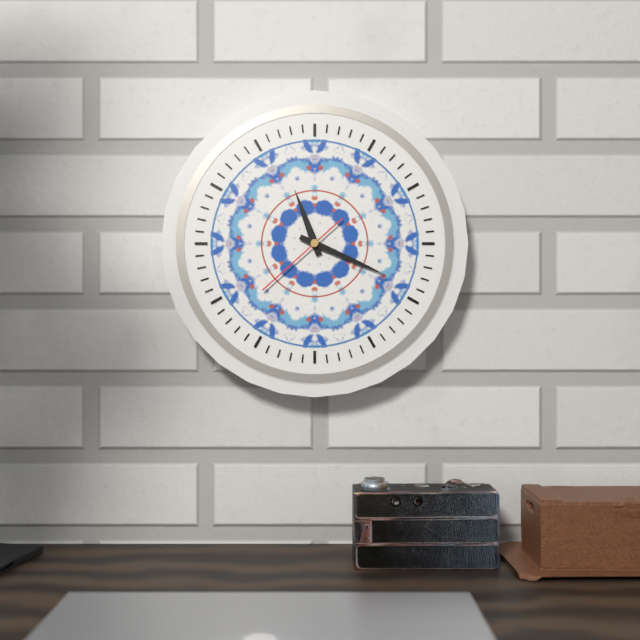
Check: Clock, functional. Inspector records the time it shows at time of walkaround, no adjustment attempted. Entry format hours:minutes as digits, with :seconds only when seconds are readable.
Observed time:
11:19:38
